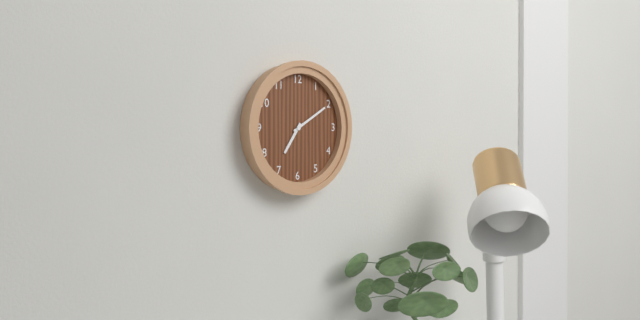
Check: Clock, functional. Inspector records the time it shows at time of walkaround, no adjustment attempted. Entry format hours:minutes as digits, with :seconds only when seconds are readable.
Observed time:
7:10
